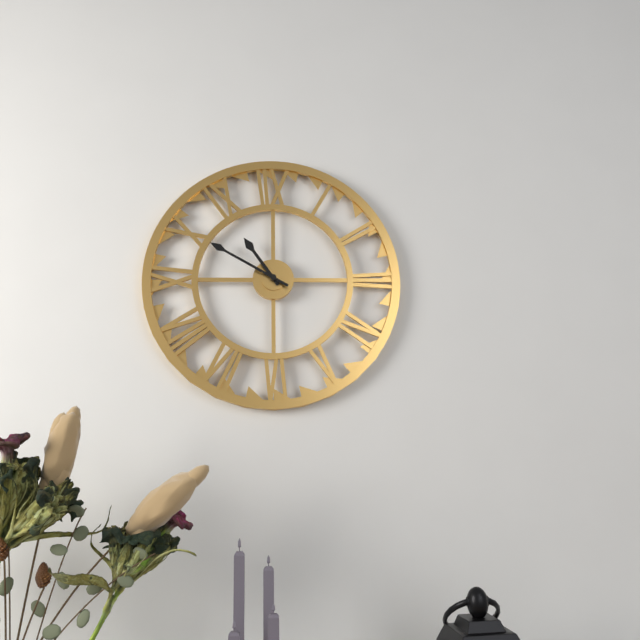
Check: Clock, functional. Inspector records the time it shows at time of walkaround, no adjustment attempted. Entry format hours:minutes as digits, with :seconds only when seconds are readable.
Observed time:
10:50
